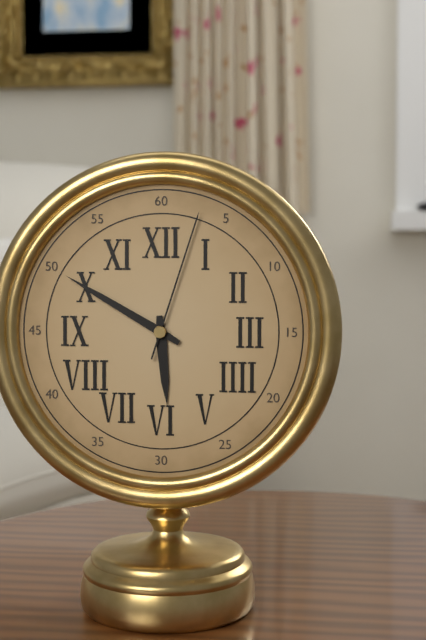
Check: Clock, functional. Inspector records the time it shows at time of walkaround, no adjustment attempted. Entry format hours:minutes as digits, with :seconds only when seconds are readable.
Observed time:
5:50:03
